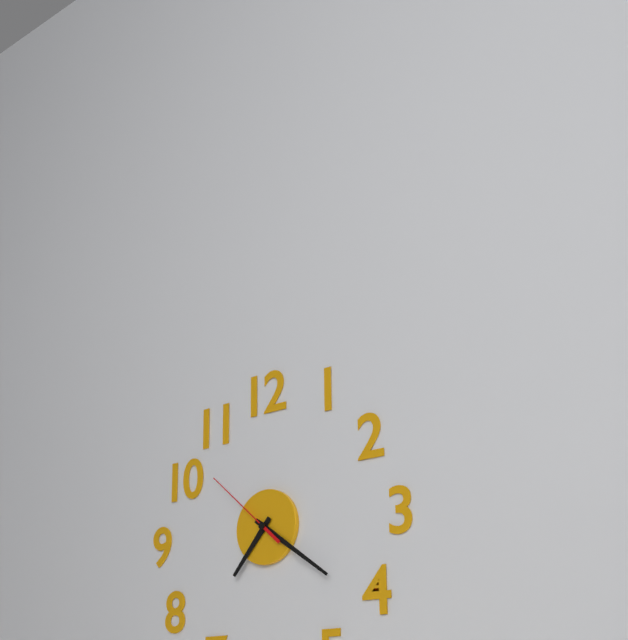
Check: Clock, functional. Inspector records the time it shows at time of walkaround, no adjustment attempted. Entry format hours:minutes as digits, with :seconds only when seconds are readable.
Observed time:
7:21:52
